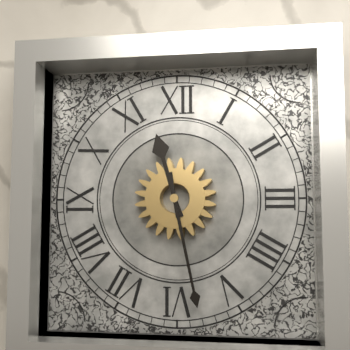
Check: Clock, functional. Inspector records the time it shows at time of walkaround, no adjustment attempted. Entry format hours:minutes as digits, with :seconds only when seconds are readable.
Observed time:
11:28
